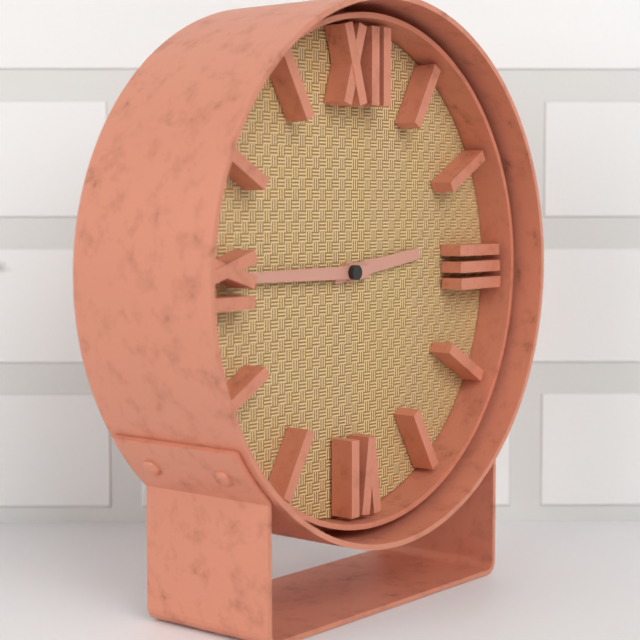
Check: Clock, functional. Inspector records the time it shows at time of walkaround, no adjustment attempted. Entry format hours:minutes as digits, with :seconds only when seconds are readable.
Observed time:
2:45
